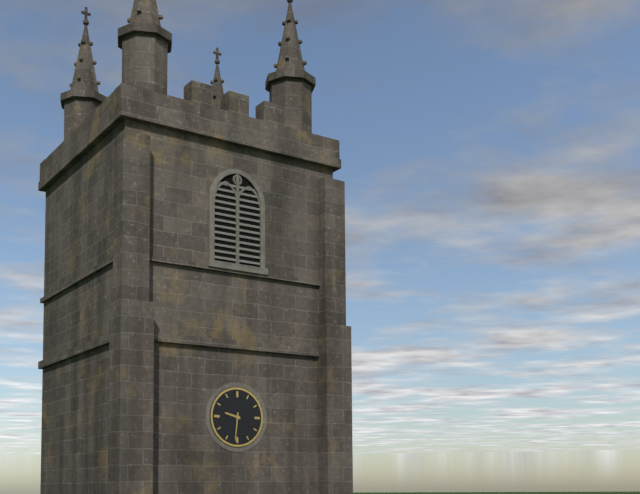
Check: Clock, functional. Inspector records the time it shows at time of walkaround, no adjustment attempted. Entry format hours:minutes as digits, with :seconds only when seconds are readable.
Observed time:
9:31
